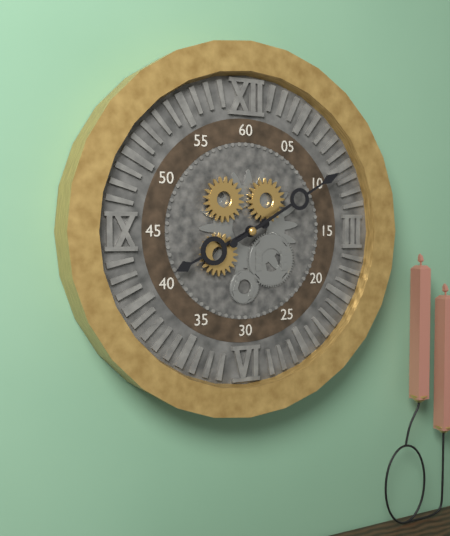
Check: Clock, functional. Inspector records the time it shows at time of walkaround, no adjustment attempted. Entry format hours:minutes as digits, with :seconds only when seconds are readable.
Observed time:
8:10
